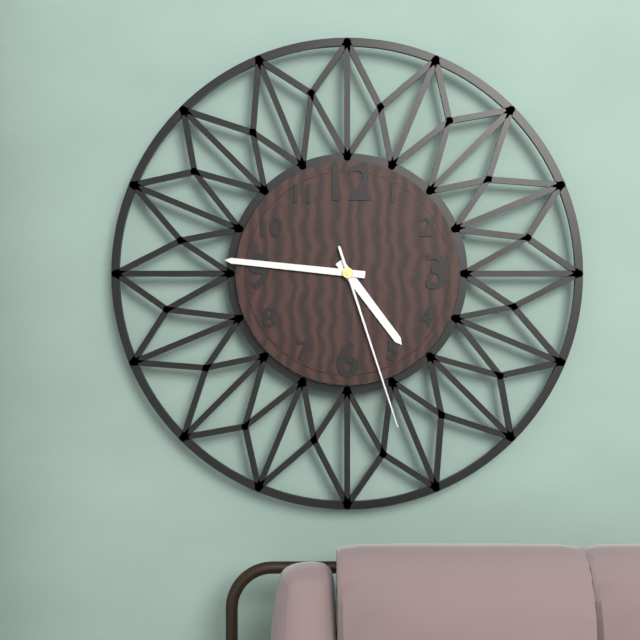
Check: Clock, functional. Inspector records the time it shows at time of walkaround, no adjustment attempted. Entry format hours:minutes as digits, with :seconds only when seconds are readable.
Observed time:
4:46:27
